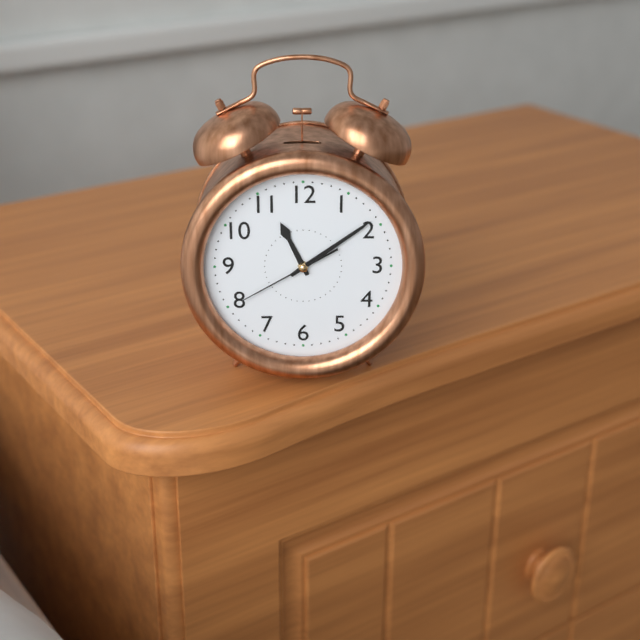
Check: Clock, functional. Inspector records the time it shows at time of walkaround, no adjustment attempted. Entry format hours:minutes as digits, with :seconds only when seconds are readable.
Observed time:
11:09:40
